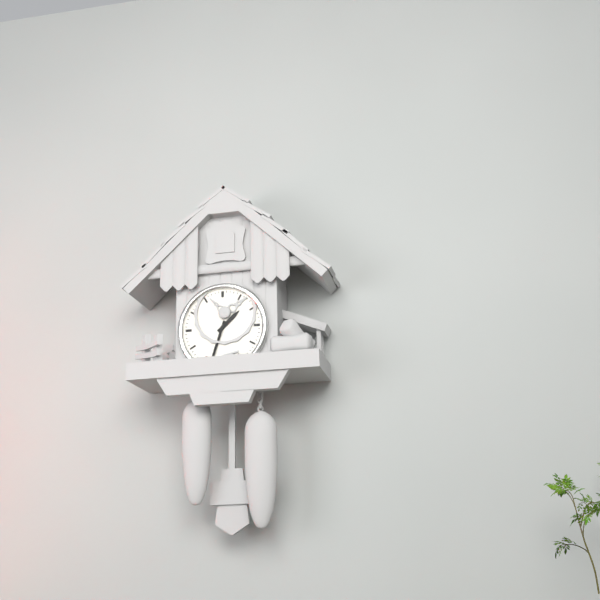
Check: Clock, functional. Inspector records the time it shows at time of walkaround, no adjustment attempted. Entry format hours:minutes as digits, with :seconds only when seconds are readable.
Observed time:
1:33
